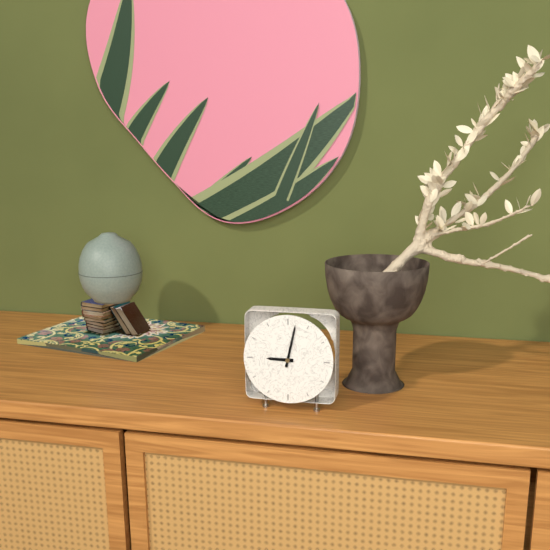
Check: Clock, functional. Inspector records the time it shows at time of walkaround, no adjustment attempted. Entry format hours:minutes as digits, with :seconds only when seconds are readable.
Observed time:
9:02
